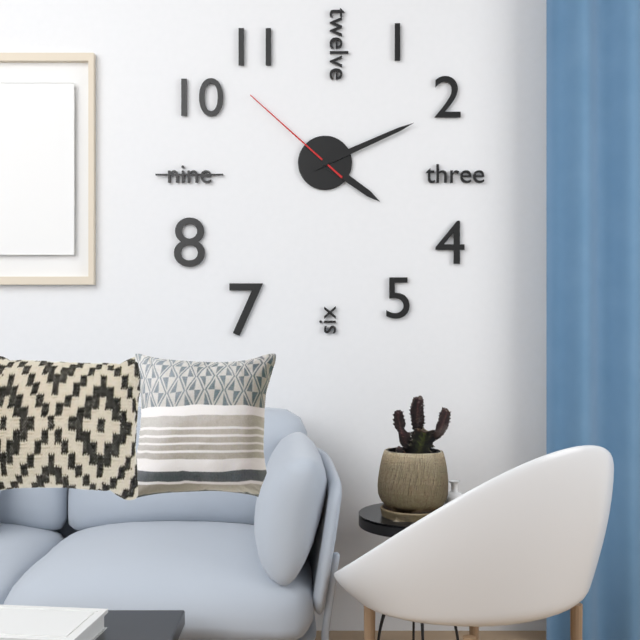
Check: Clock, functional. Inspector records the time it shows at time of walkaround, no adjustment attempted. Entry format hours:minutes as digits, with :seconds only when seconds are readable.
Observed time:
4:11:52
